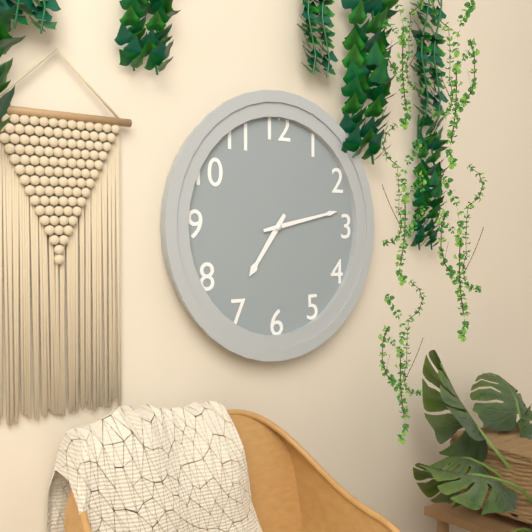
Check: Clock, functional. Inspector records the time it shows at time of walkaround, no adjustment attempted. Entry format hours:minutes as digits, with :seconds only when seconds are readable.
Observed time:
7:13
